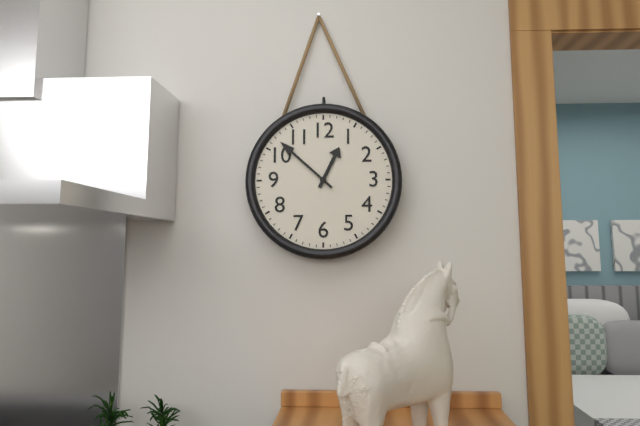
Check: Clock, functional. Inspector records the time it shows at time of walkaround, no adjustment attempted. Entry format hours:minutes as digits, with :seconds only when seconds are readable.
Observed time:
12:52
